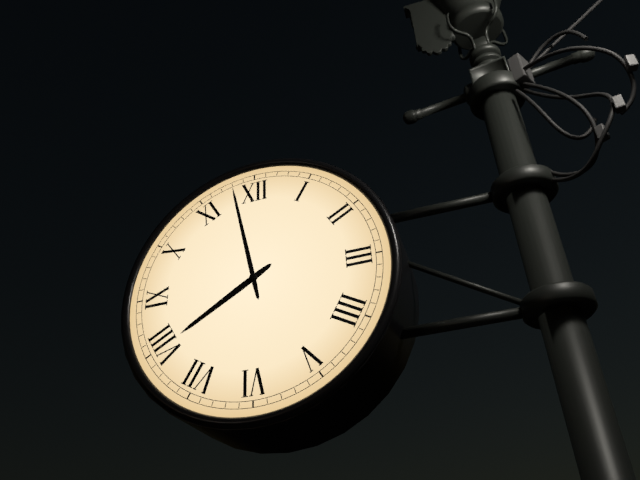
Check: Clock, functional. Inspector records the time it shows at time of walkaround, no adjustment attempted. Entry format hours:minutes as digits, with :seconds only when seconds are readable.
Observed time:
7:58
